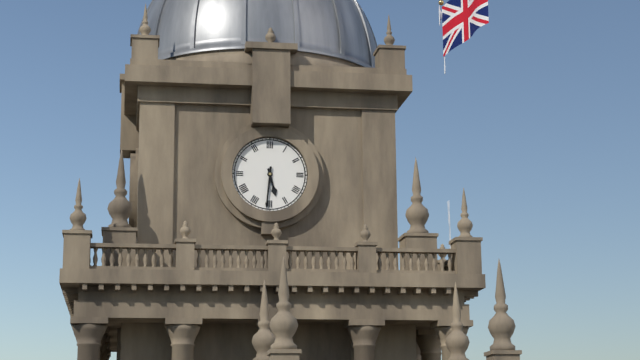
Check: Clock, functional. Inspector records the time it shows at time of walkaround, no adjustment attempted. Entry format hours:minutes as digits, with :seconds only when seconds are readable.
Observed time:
5:31
